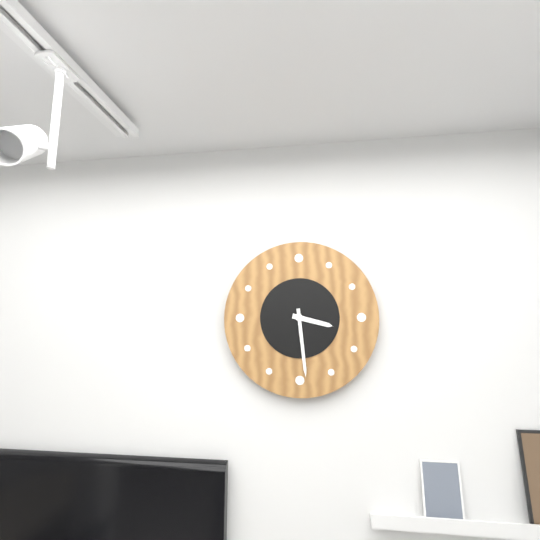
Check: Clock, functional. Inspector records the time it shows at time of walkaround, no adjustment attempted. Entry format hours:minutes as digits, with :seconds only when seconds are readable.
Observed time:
3:29
